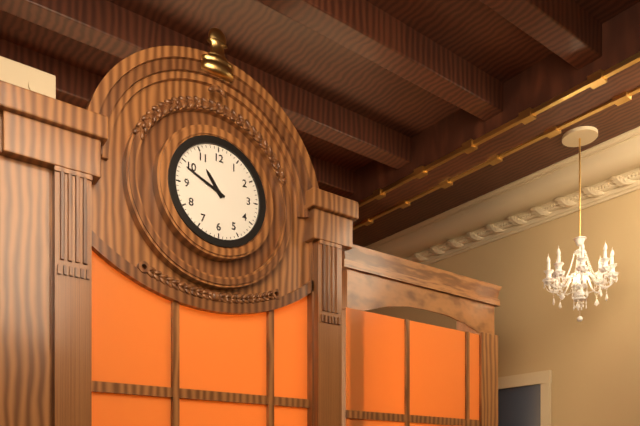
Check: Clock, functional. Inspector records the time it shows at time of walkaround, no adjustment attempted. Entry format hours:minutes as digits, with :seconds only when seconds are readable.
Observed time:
10:49
